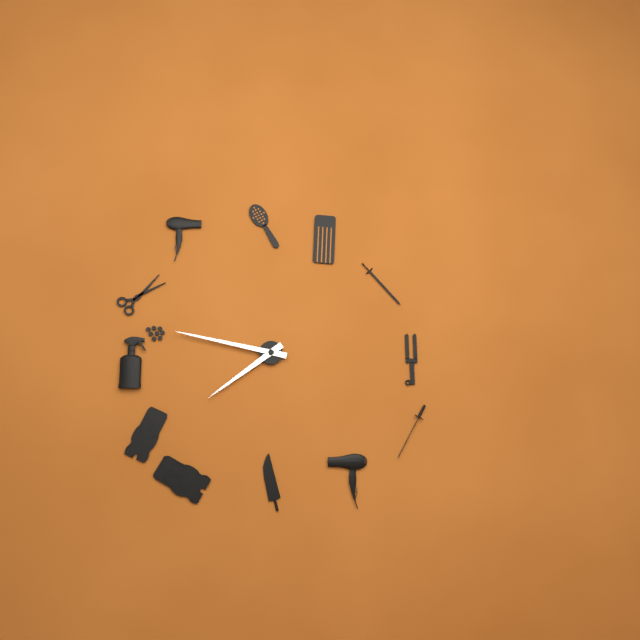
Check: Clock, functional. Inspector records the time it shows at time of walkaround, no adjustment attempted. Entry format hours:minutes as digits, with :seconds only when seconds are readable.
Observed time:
7:47
